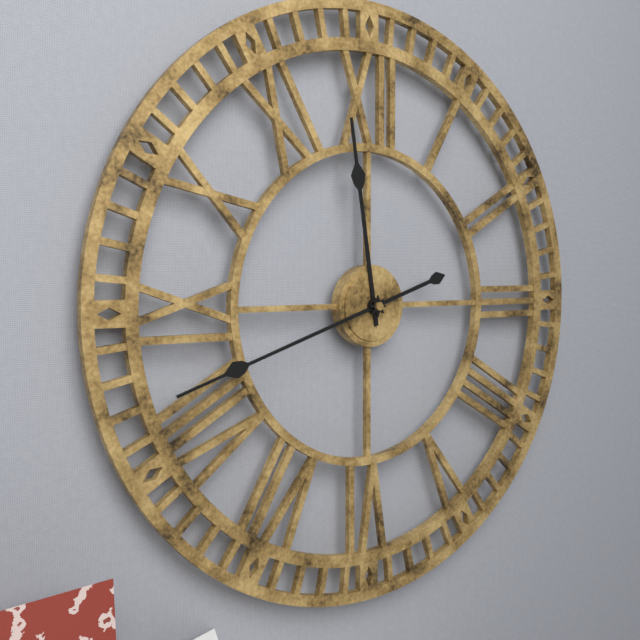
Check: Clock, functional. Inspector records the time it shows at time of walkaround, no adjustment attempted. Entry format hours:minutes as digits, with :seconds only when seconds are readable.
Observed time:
11:42
